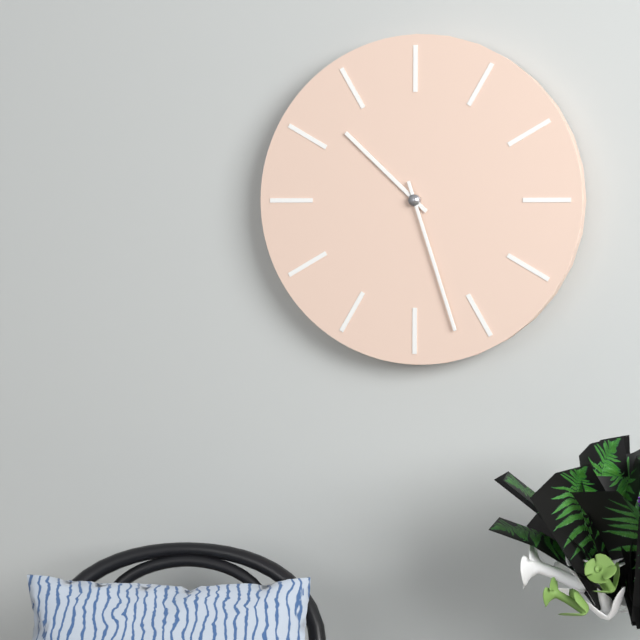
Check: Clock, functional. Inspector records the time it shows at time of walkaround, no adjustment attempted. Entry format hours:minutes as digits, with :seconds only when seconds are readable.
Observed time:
10:27
